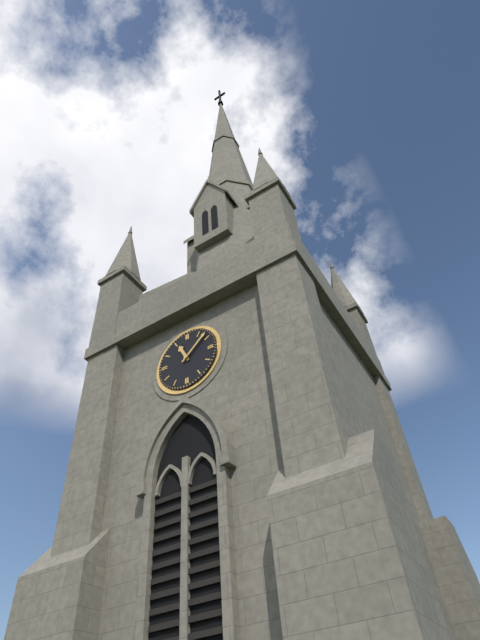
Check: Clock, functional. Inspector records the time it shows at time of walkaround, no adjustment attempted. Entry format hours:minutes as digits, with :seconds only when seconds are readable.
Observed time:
11:08
